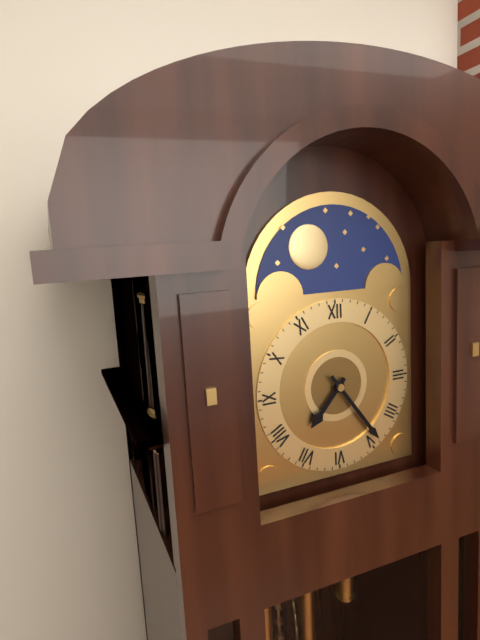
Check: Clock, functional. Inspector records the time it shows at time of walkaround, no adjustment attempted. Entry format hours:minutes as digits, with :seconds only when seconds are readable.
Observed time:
7:24
